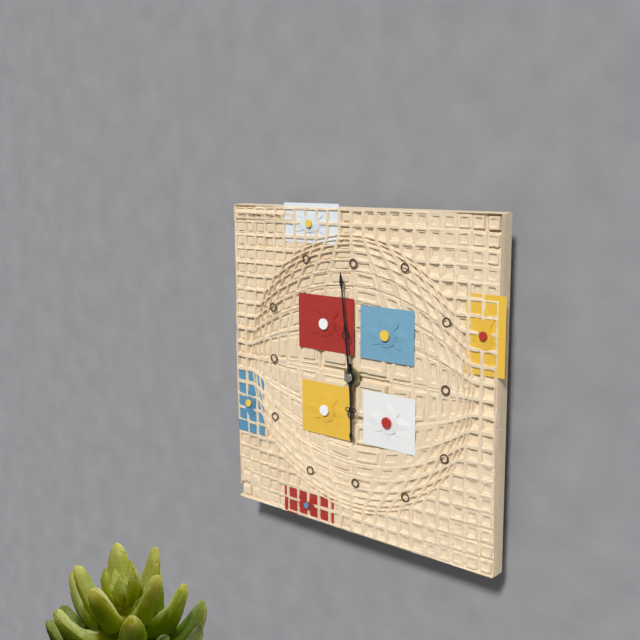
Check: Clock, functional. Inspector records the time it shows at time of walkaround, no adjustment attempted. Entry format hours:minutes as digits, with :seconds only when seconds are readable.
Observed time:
5:59
